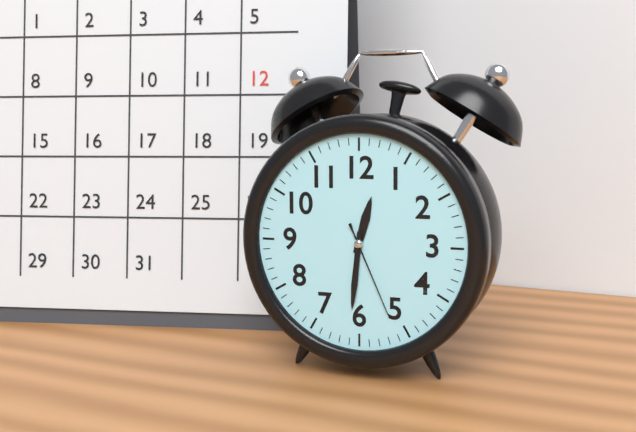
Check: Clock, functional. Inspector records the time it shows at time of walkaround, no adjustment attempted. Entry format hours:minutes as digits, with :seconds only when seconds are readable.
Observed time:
12:31:26
